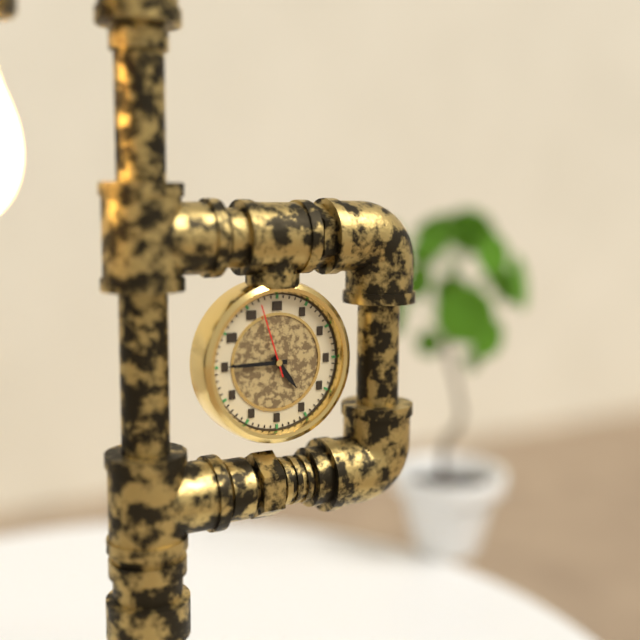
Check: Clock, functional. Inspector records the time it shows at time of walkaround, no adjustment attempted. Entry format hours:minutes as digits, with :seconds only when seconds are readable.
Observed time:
4:45:57
